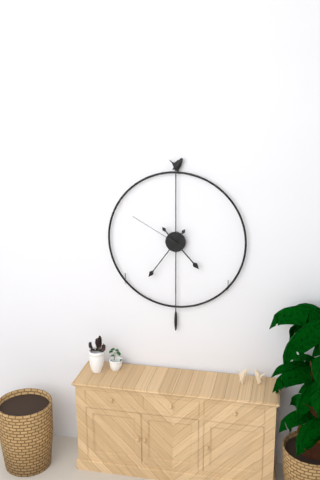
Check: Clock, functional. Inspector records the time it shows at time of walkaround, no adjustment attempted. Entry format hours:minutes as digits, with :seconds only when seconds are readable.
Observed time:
4:36:50
